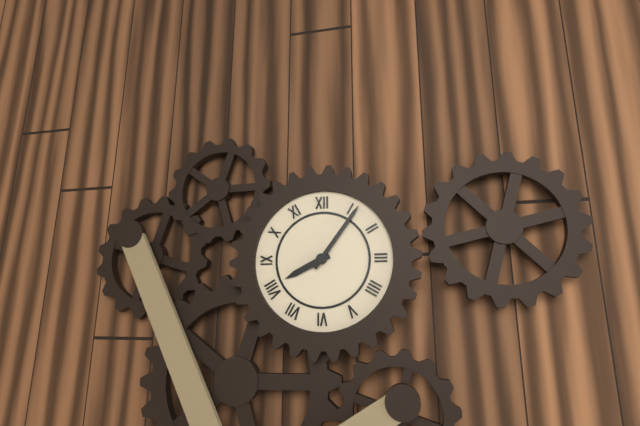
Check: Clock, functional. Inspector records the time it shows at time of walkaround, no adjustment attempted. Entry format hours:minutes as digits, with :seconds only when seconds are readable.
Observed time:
8:06
